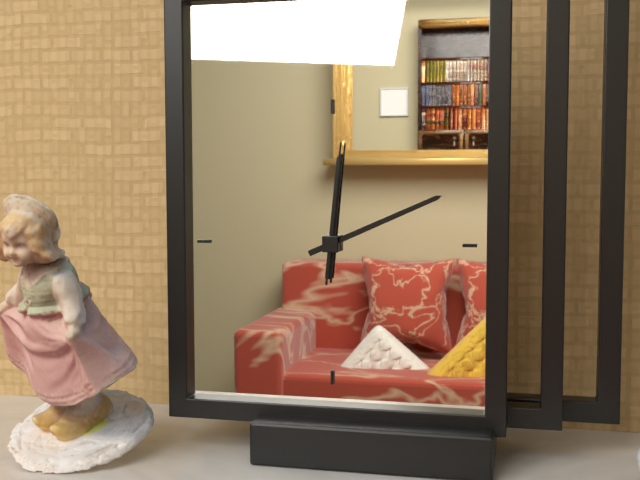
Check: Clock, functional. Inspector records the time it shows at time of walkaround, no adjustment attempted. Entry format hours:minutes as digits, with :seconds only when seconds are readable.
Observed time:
12:11:01
